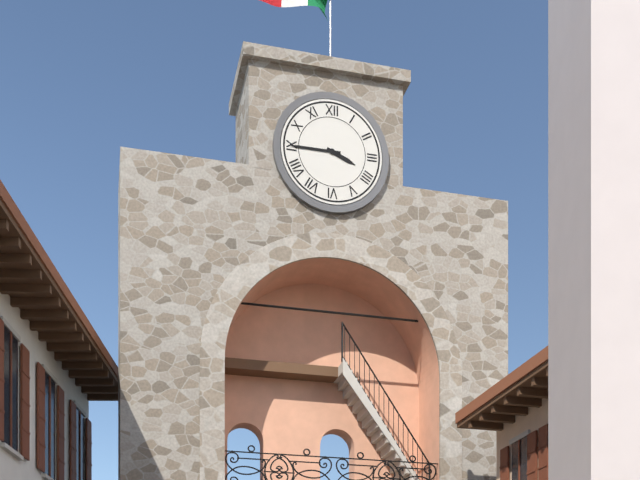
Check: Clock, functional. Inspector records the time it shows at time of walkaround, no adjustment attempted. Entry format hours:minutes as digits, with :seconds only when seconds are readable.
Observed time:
3:45
